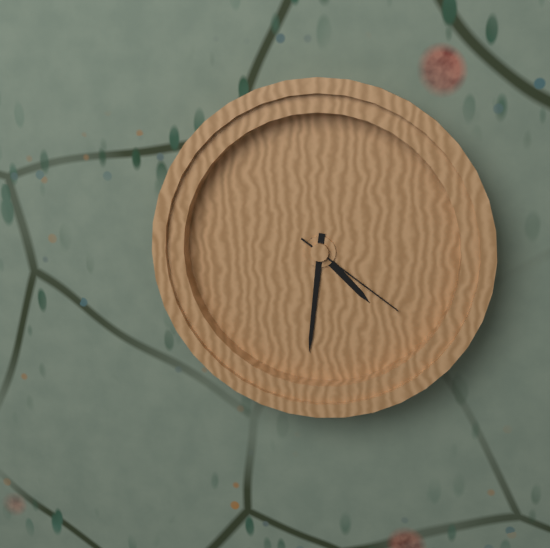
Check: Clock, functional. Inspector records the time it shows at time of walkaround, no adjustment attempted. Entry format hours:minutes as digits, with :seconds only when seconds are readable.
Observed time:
4:31:21
